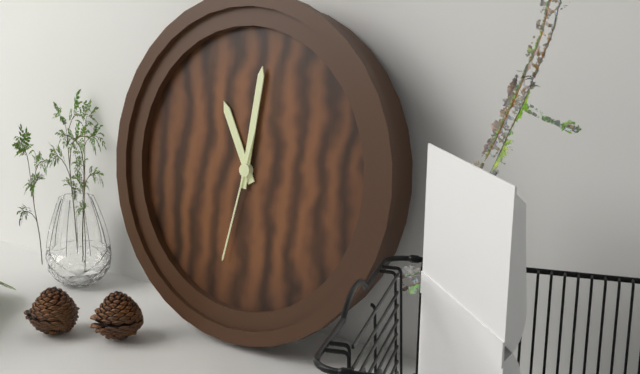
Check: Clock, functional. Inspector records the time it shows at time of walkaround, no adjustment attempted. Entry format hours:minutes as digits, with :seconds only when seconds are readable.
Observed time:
11:01:32
